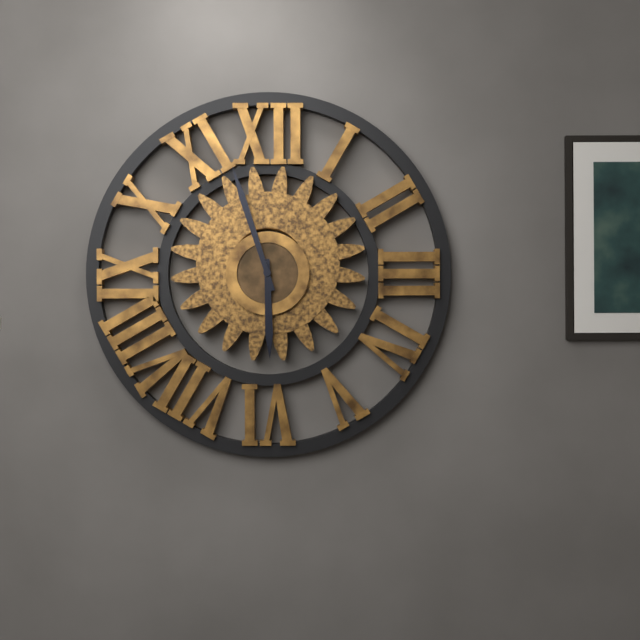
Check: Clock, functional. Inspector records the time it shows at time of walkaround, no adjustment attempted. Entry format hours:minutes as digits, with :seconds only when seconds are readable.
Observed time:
5:57
